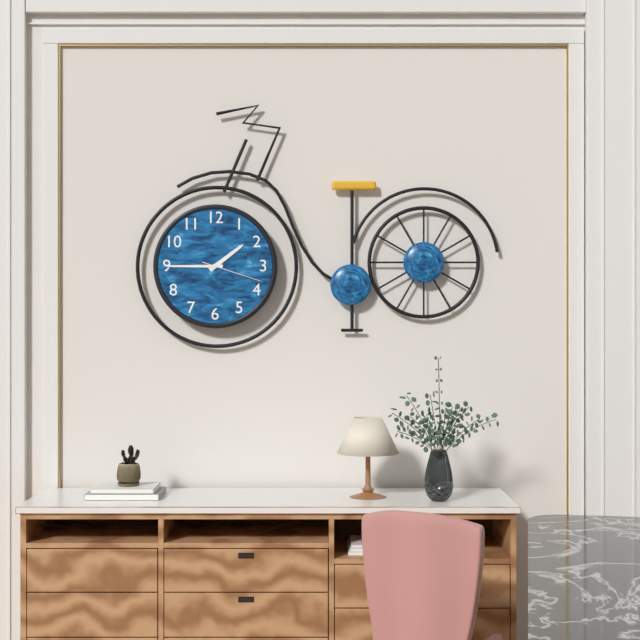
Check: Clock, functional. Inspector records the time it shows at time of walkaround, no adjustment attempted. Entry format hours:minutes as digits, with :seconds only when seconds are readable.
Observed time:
1:45:18
